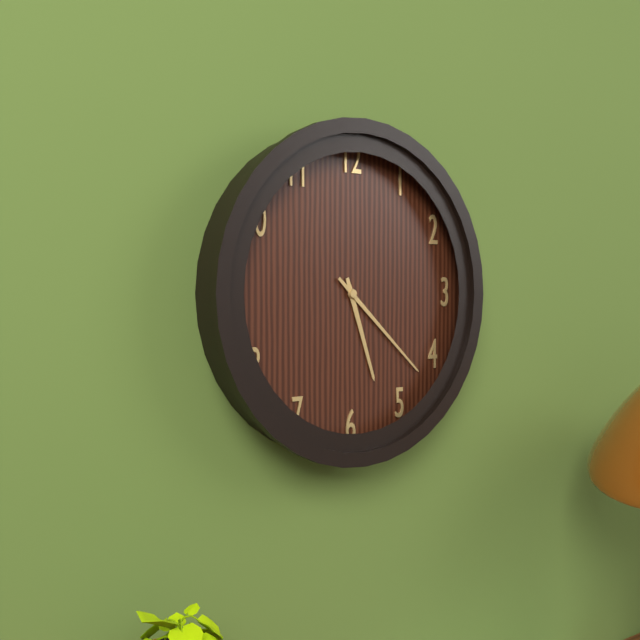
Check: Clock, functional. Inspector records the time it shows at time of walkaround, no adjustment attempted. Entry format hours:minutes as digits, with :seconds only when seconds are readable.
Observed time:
5:22
